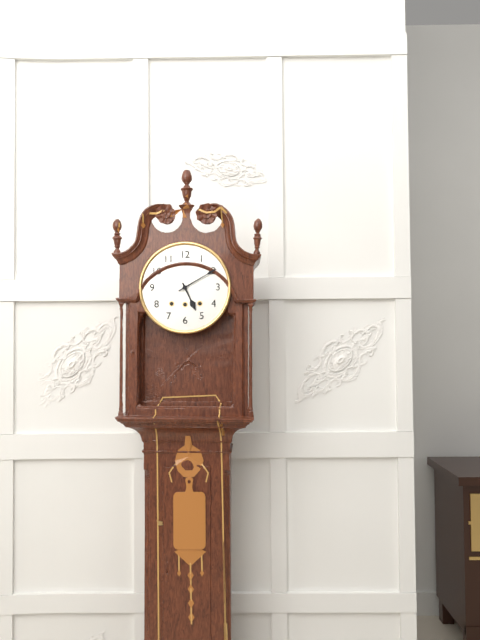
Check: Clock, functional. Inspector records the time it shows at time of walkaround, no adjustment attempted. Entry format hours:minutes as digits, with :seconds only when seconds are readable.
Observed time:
5:10
